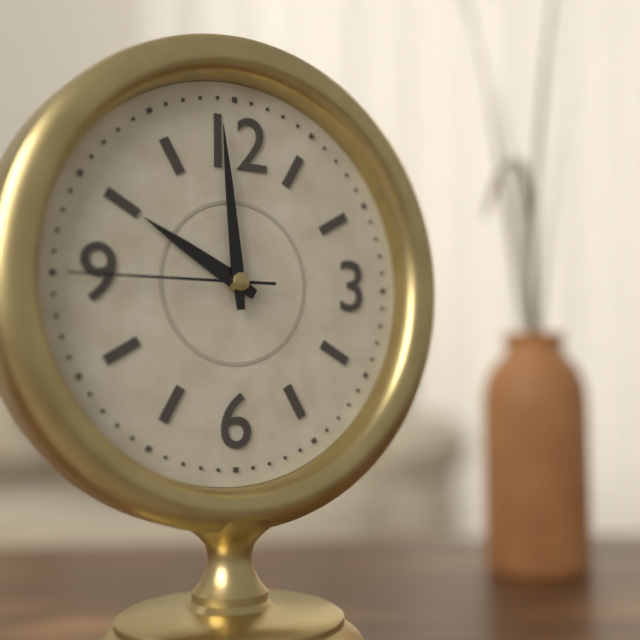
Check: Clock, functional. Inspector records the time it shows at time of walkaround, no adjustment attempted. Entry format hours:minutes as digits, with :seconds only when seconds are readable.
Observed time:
9:59:45
